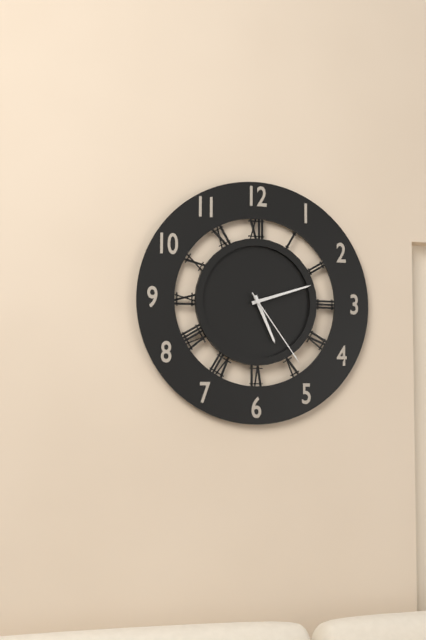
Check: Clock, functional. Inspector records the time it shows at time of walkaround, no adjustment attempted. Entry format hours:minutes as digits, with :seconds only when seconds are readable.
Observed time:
5:12:24
